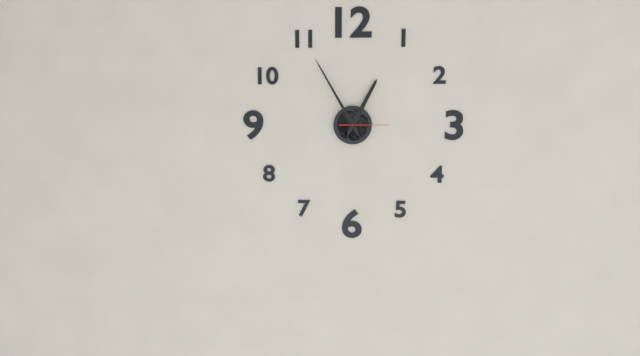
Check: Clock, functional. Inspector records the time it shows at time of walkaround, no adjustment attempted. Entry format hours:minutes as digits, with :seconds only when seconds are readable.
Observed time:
12:55
